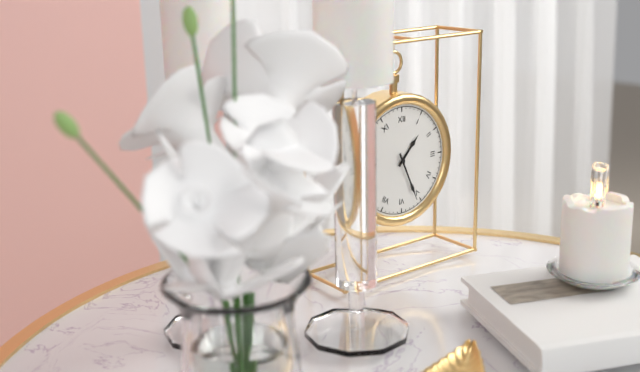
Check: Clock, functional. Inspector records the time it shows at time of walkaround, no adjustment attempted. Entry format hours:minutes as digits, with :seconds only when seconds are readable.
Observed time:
1:26
